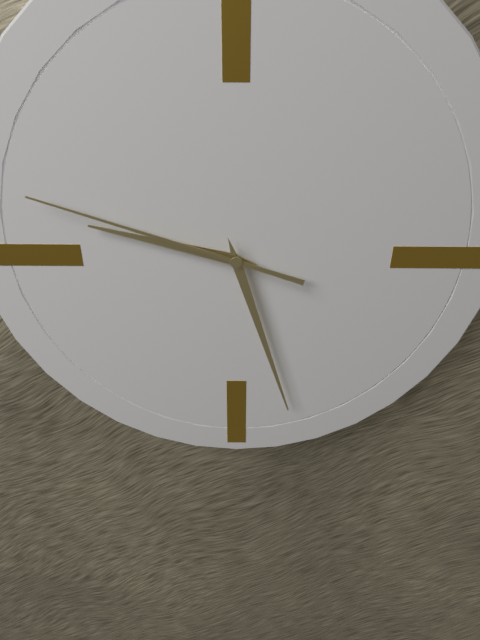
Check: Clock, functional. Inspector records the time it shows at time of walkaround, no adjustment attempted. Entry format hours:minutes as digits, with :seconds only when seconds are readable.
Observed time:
9:27:48
